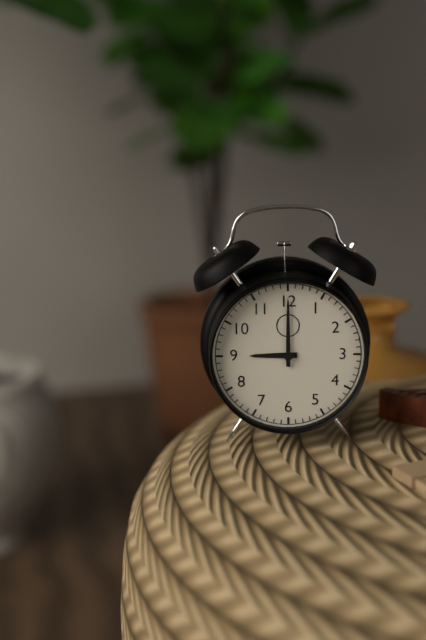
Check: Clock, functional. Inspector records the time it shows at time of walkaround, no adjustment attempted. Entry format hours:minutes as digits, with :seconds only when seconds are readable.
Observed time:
9:00
